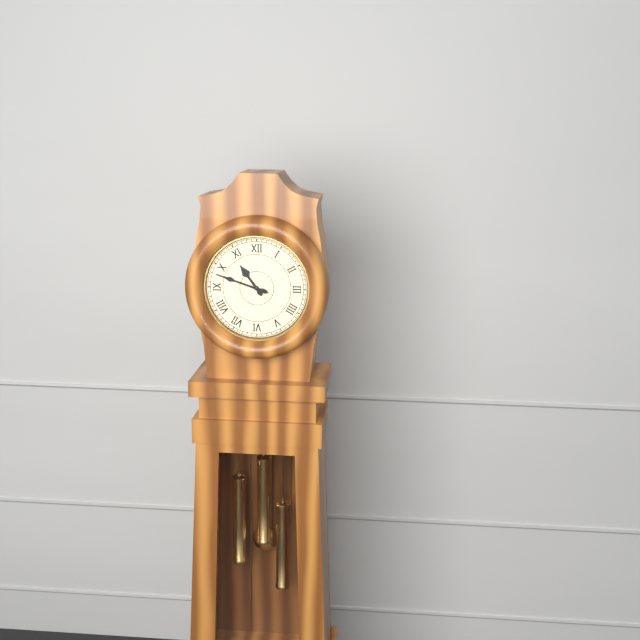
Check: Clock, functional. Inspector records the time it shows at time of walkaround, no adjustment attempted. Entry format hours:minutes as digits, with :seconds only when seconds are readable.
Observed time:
10:48
